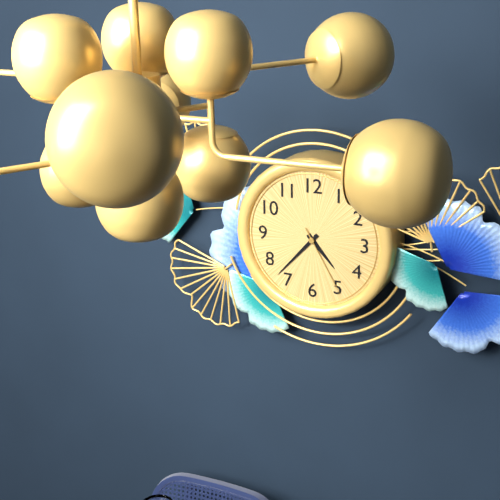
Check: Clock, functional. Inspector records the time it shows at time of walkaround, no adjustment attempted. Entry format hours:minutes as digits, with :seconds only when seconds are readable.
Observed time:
4:37:25
